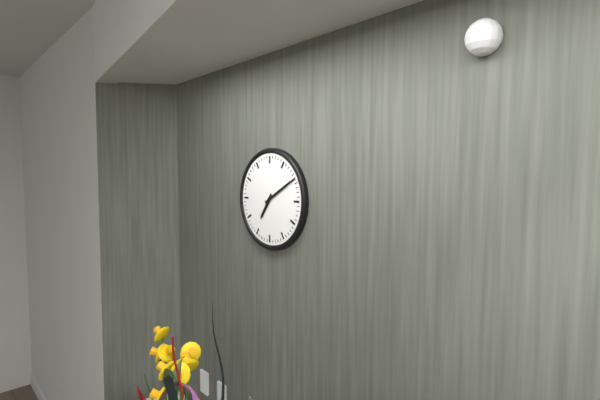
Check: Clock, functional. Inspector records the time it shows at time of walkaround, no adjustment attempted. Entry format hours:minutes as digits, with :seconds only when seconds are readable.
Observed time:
7:10
